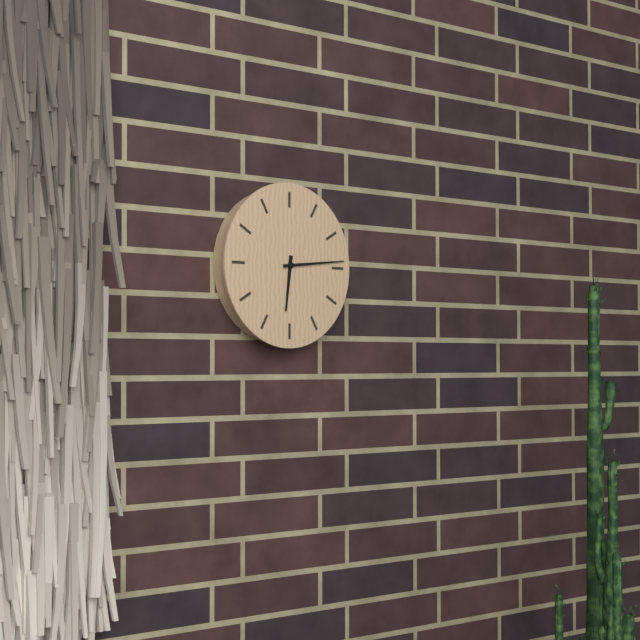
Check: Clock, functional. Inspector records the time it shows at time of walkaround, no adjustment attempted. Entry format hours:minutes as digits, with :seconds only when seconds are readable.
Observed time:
6:14
